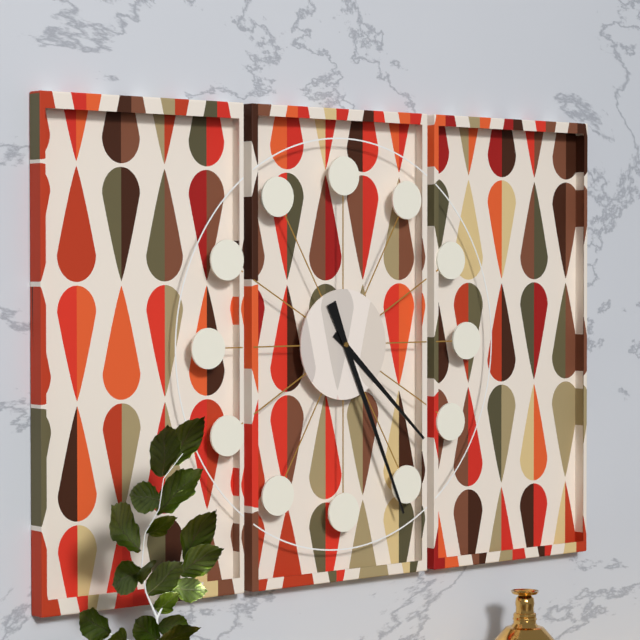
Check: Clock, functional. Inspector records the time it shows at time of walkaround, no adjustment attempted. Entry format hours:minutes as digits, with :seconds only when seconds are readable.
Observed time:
4:26
